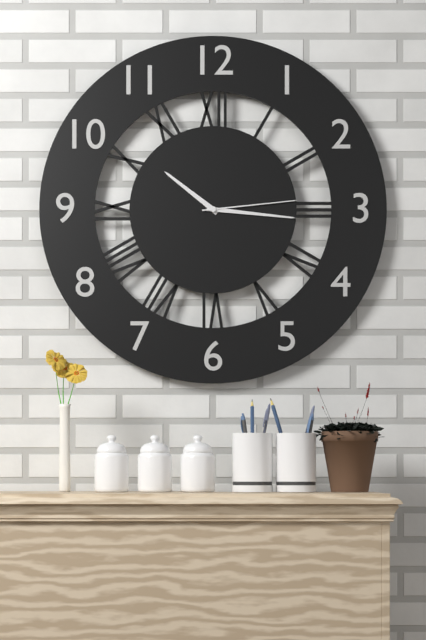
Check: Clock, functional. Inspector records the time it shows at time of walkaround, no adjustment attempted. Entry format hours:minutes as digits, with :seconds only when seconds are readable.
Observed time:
10:16:14
